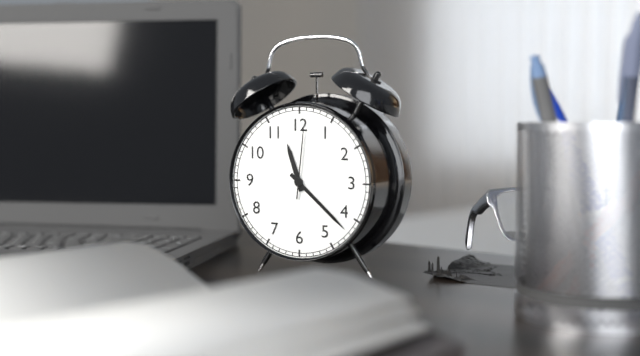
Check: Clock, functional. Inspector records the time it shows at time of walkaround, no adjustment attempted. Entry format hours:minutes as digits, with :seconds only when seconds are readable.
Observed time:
11:22:01
